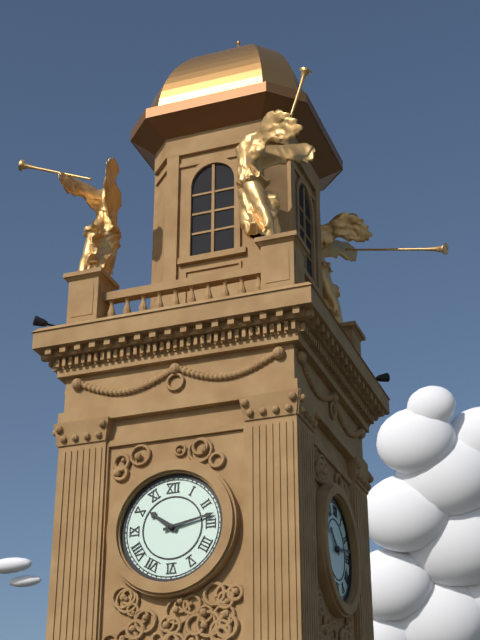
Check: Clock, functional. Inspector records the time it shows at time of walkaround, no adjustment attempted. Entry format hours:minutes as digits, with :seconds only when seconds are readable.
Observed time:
10:13
